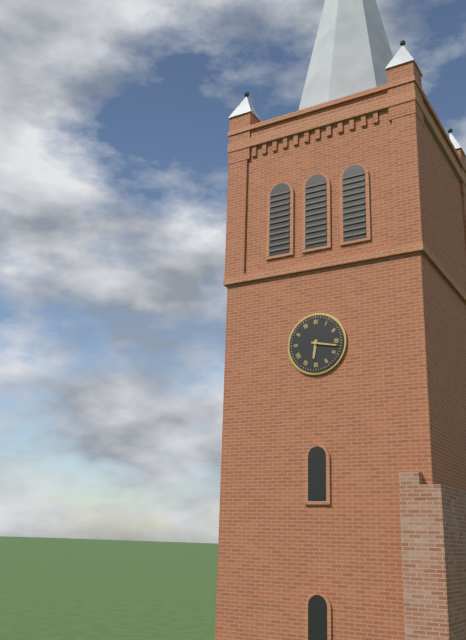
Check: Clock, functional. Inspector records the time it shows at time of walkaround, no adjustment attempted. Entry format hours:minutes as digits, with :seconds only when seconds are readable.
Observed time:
6:17
